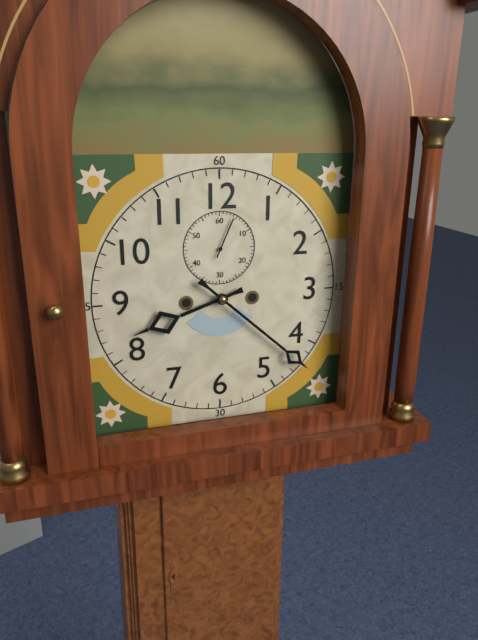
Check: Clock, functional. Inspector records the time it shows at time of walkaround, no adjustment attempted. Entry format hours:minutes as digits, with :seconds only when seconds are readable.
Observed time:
8:22
